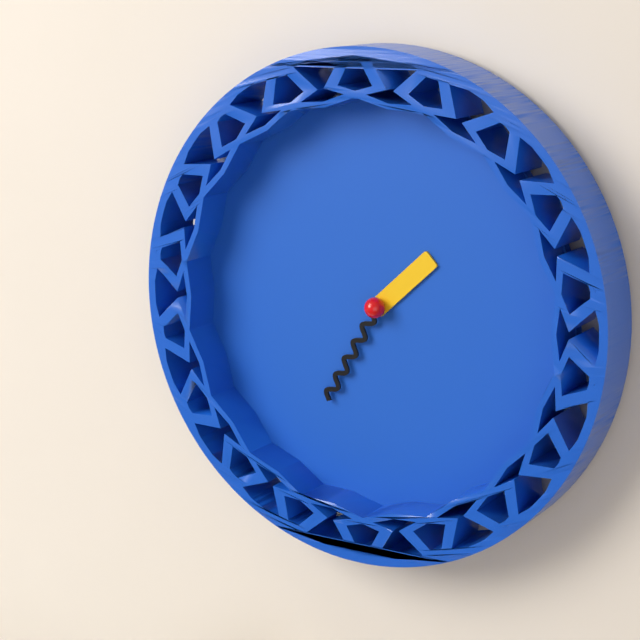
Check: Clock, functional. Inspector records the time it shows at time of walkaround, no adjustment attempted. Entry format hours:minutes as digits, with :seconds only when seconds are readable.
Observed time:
1:35
